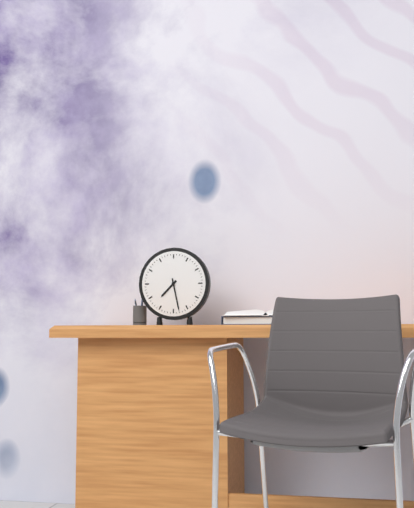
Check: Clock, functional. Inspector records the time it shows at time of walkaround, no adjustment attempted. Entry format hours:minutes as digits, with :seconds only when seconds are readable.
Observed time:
7:28
